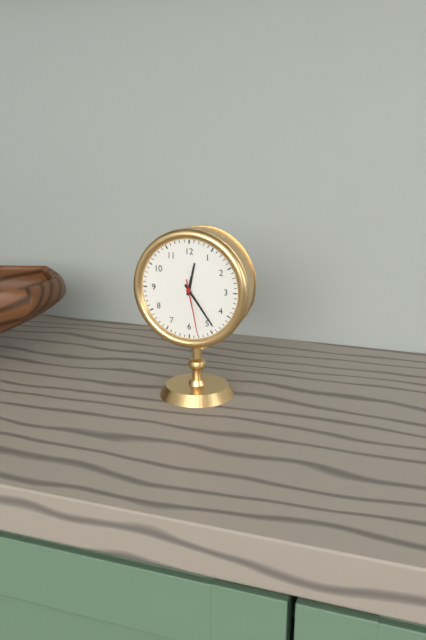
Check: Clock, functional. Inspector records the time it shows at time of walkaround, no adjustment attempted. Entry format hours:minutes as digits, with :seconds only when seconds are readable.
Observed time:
12:24:28
